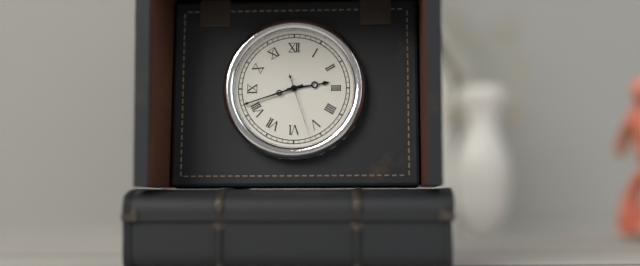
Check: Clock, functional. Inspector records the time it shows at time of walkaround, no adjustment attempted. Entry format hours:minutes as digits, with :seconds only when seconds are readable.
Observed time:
2:42:27
